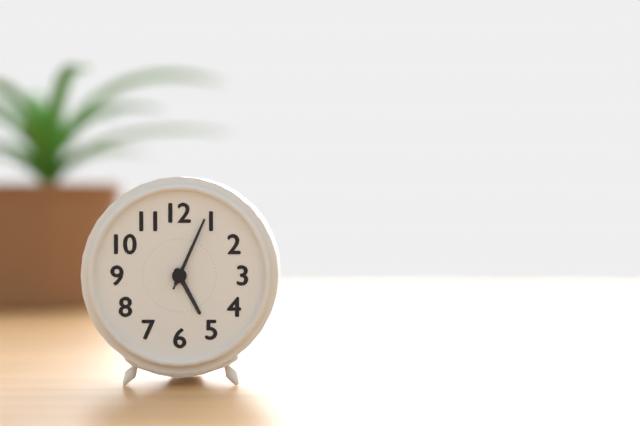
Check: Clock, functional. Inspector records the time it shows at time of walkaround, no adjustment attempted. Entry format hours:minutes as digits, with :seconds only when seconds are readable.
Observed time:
5:04:04
